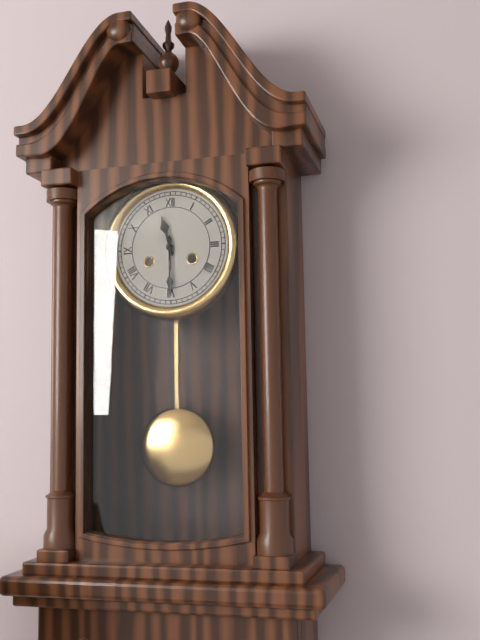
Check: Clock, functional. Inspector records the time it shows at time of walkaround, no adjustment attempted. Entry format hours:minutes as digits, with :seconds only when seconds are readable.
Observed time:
11:30
